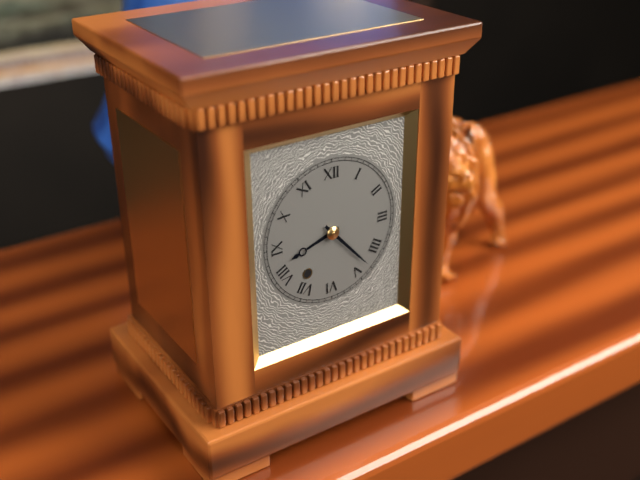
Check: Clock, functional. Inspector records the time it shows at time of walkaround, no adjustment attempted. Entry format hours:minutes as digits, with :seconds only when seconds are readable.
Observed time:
8:23
